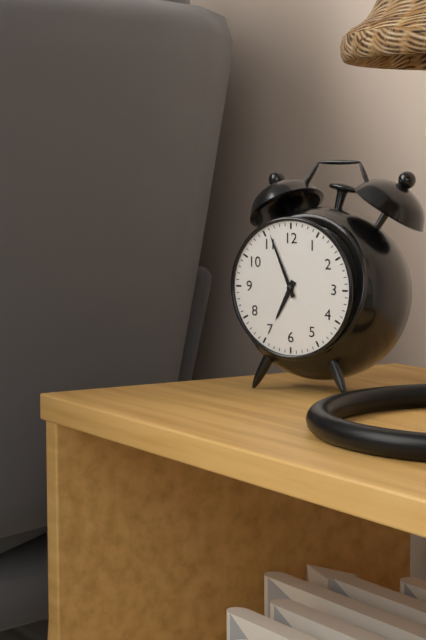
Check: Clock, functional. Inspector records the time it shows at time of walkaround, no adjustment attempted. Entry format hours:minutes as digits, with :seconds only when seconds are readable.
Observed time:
6:56
